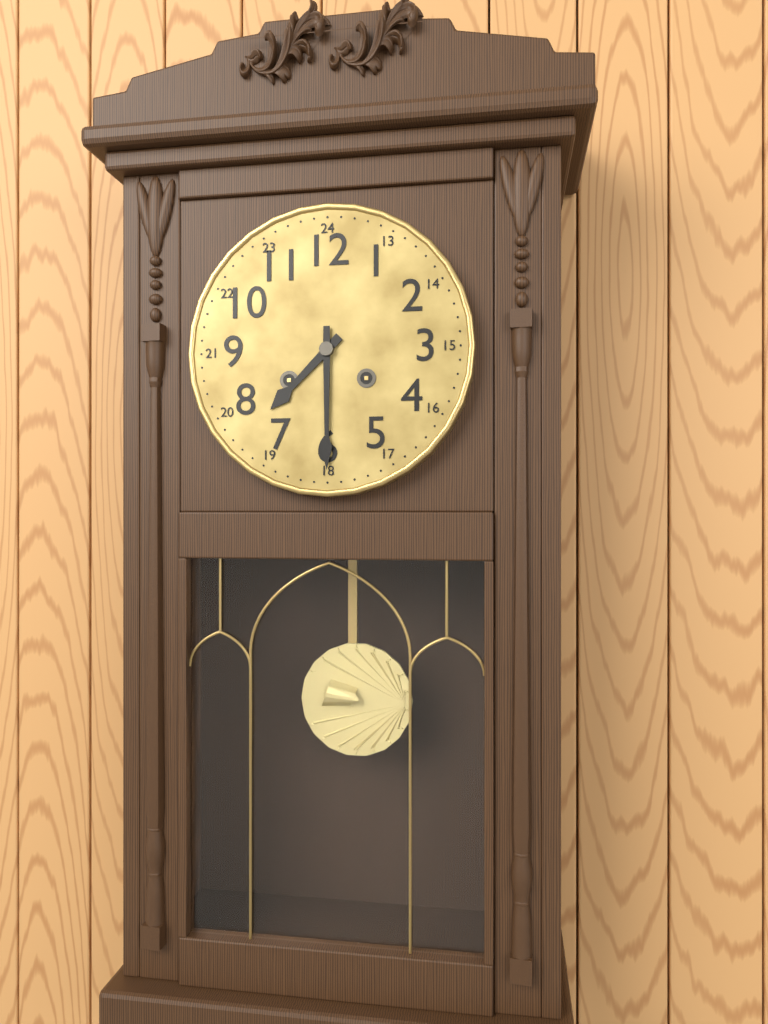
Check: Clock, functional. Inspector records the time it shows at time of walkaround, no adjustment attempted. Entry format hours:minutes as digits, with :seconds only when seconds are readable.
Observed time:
7:30
